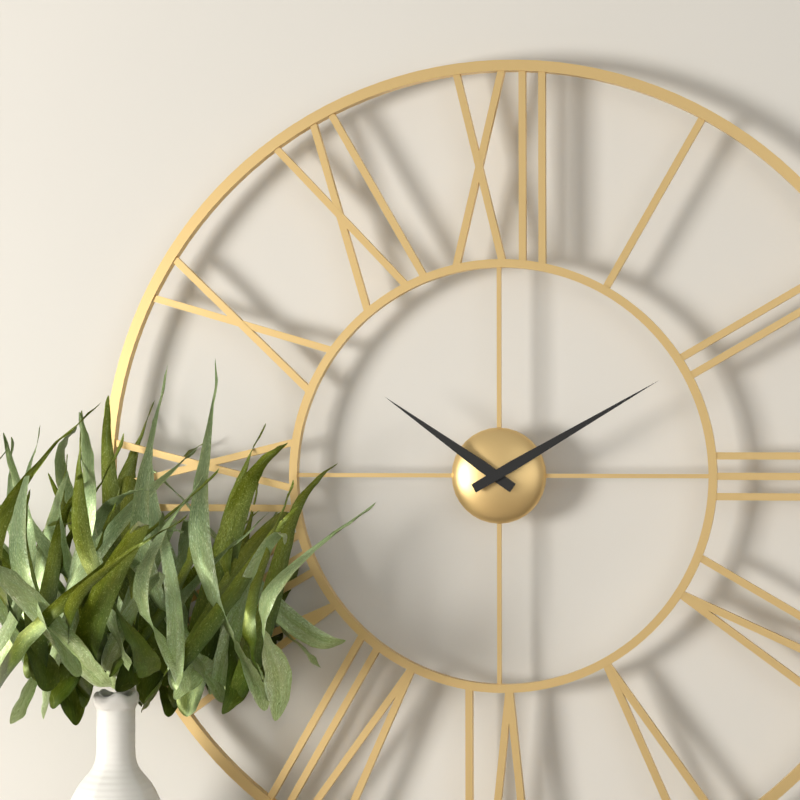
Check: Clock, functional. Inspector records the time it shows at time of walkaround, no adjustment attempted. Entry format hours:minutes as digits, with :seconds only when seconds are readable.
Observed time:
10:10
